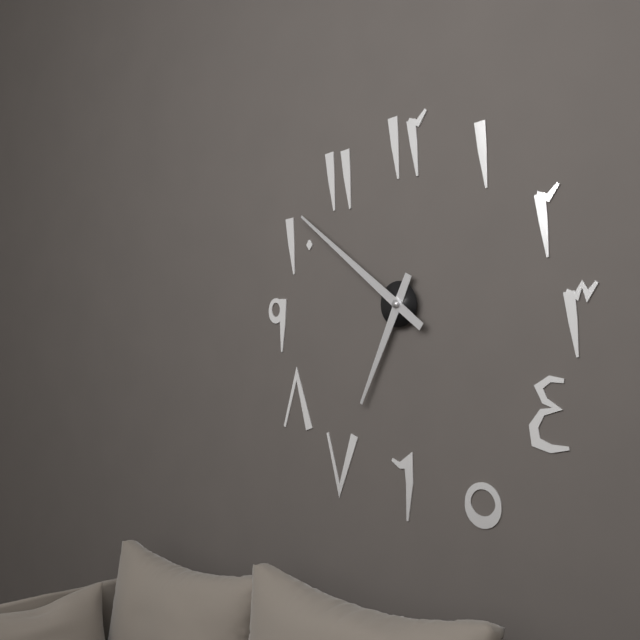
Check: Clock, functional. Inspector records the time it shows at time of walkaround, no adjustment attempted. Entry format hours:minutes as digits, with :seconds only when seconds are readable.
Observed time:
6:51
